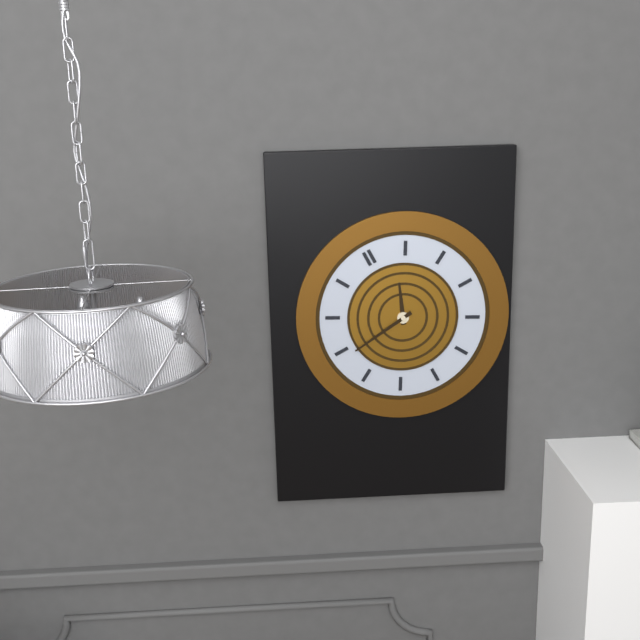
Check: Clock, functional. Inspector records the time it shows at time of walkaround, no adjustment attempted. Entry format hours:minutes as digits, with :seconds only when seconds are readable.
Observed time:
12:44
